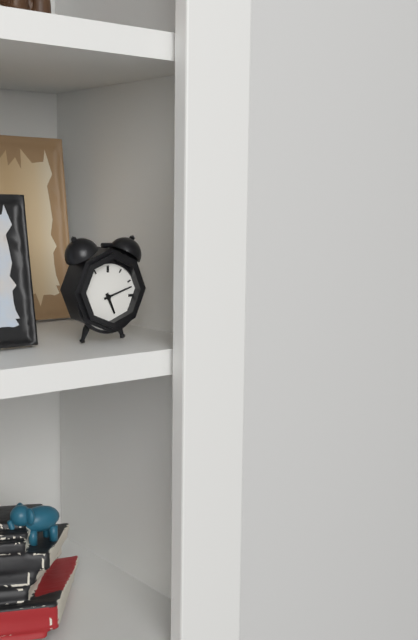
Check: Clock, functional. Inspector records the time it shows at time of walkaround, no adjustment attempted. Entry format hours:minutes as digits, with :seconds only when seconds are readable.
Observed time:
5:12
